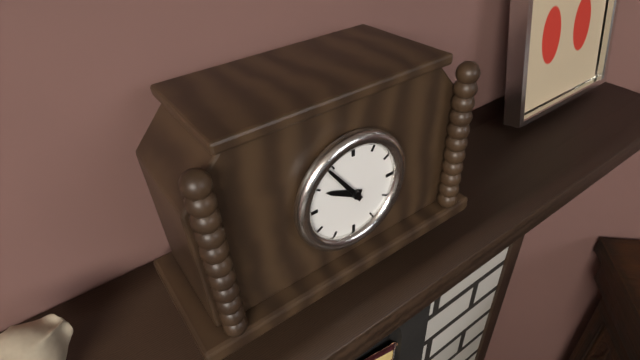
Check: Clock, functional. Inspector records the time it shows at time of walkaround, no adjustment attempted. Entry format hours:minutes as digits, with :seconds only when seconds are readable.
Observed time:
9:54
